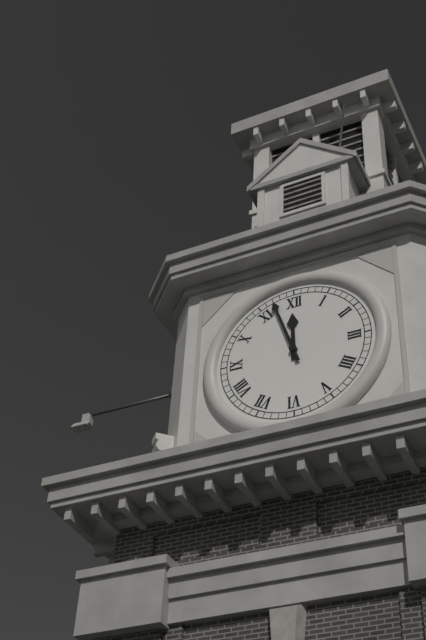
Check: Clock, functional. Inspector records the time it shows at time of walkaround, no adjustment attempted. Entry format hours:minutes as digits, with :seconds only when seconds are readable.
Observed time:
11:57
